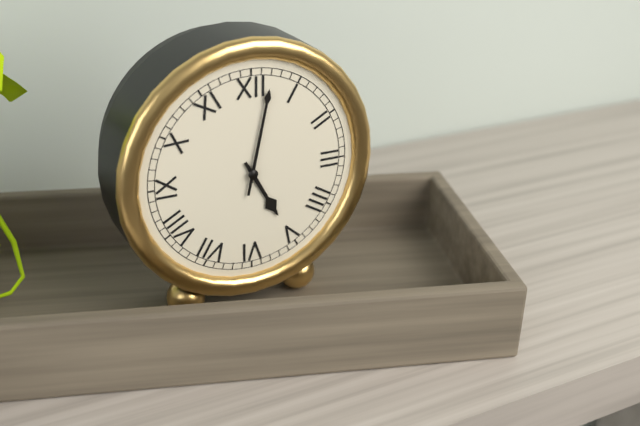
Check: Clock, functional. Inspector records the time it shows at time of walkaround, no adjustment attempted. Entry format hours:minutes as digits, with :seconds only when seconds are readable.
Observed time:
5:02
